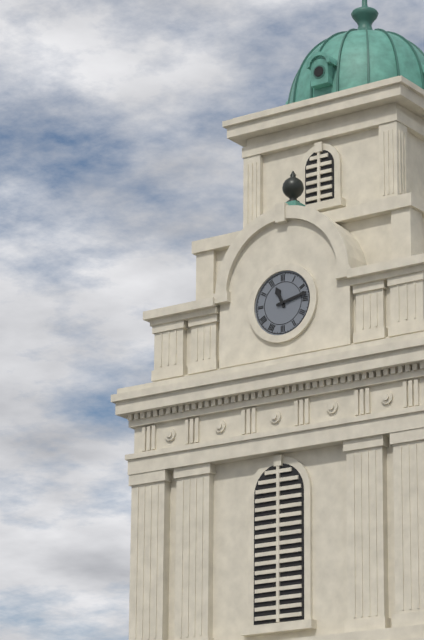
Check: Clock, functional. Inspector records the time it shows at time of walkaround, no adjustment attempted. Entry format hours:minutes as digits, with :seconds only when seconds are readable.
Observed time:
11:13
